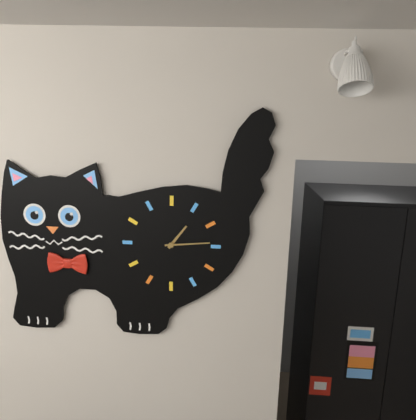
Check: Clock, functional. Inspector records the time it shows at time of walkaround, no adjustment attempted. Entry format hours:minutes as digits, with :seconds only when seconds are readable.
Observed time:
1:14
